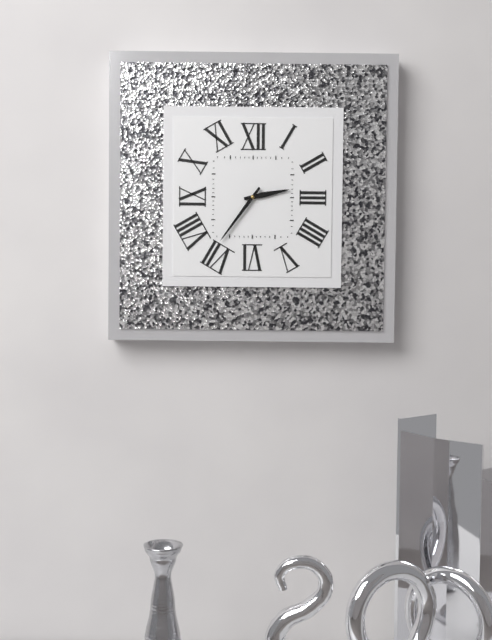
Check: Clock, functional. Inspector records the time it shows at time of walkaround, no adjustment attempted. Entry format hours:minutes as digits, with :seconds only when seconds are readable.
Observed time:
2:36
